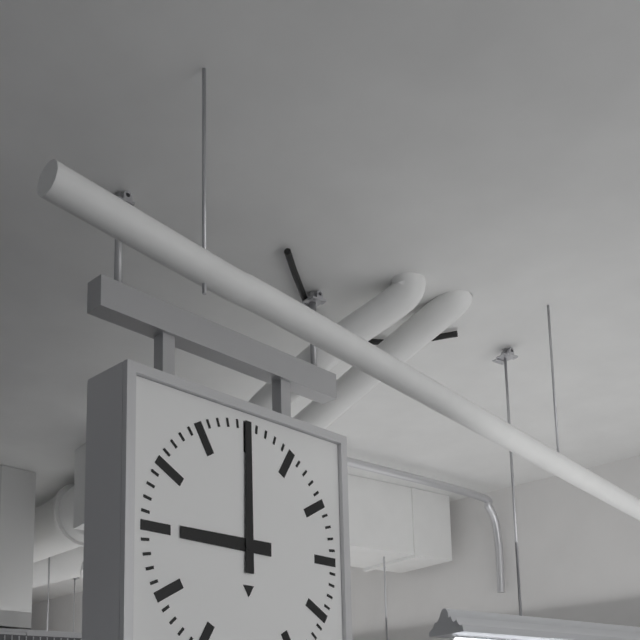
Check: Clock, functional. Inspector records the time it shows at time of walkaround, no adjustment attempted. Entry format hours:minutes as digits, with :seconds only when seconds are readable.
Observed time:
9:00
